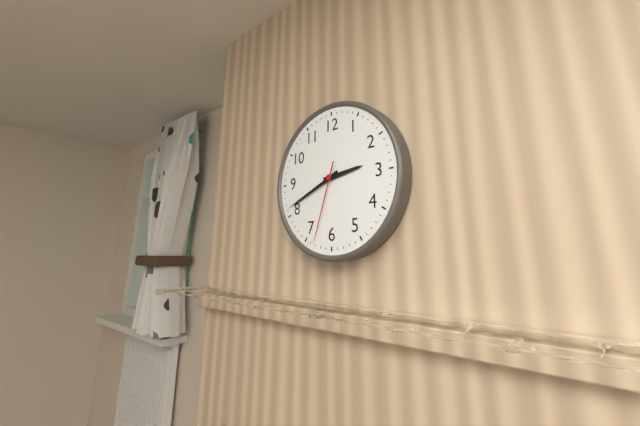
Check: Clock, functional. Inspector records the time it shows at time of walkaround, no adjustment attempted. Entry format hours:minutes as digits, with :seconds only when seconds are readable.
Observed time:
2:41:33
